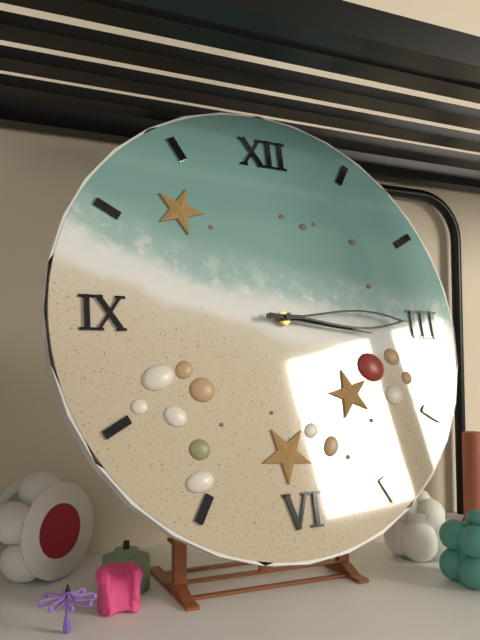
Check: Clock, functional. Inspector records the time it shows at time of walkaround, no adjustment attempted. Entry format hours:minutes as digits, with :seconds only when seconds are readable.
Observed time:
3:15
